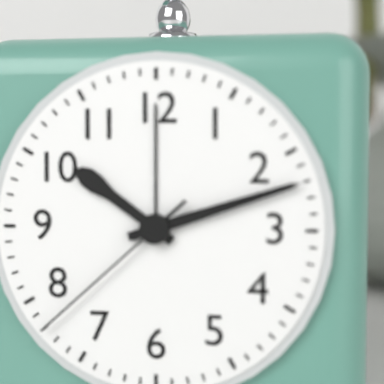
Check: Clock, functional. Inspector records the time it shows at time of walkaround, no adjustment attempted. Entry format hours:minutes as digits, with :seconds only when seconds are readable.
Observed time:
10:12:38
